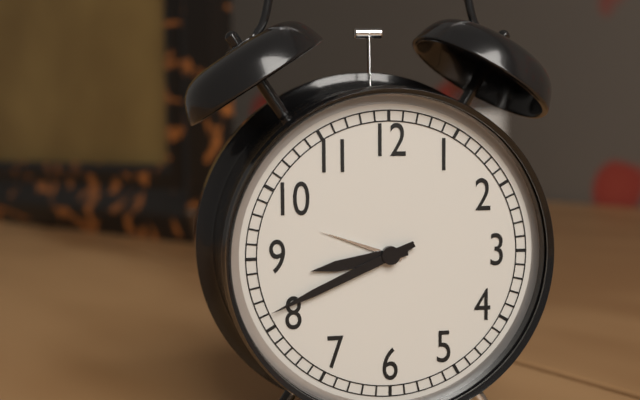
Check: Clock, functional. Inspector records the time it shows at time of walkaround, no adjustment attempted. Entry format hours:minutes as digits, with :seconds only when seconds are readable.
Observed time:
8:41
